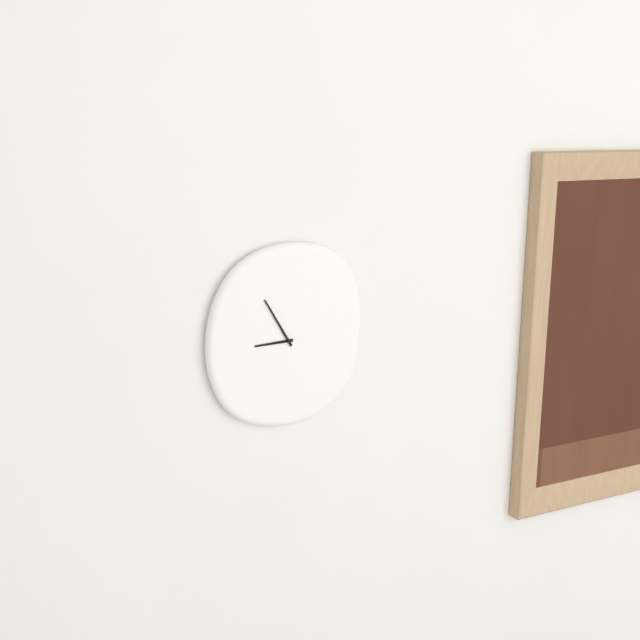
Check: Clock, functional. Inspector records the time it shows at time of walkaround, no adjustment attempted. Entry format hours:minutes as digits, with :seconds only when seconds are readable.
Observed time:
8:55
